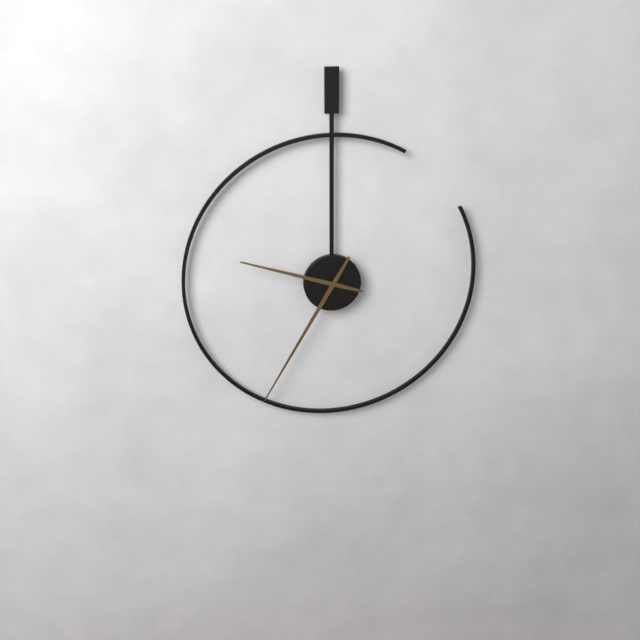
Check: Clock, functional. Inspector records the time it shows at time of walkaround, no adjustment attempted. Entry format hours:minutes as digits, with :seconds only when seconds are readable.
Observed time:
9:35
